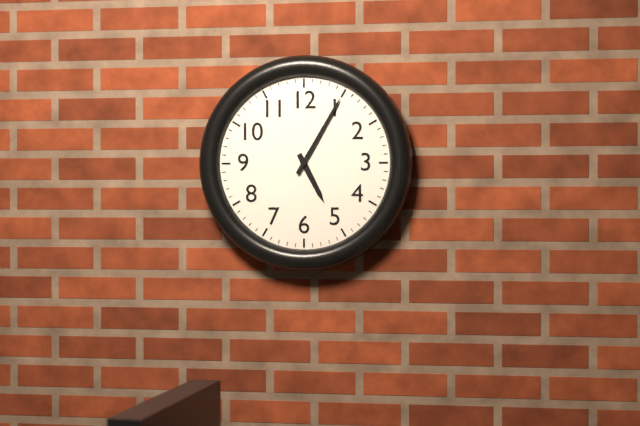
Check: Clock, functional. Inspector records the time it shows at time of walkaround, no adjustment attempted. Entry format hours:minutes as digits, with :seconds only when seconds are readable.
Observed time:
5:05
